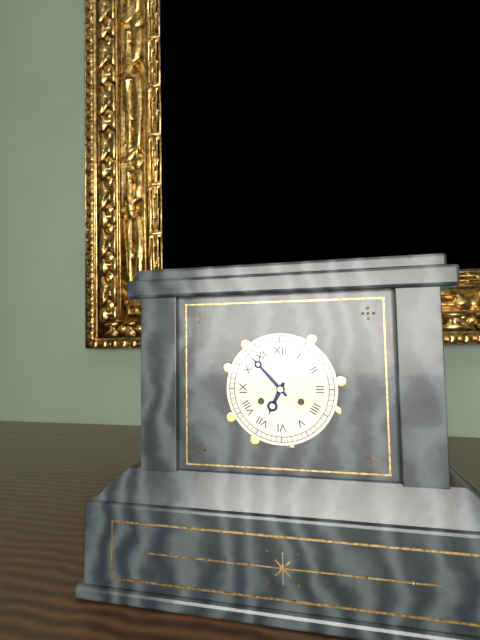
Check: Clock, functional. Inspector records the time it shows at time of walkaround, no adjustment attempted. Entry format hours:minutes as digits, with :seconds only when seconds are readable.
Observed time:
6:53
